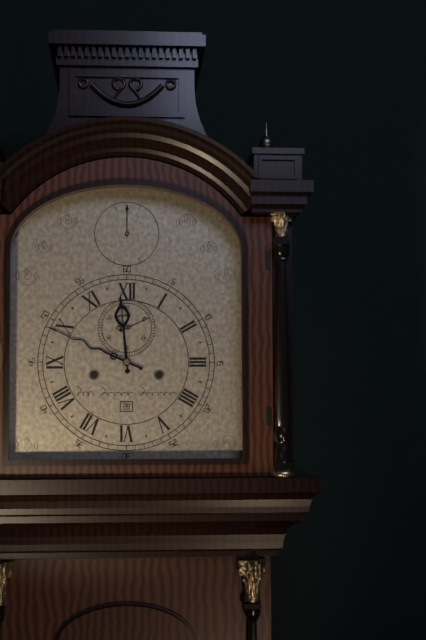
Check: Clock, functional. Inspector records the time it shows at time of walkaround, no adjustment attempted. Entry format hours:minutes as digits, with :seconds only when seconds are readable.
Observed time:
11:49
